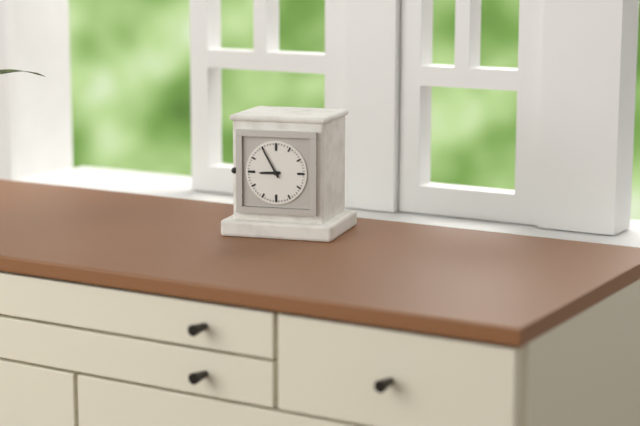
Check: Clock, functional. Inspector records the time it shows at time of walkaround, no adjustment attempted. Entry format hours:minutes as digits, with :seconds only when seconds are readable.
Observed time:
8:55
